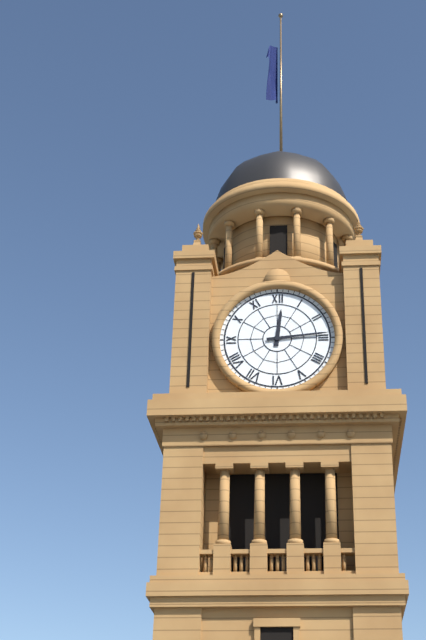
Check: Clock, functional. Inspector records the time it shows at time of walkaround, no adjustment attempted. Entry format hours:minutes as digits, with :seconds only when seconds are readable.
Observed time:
12:14
